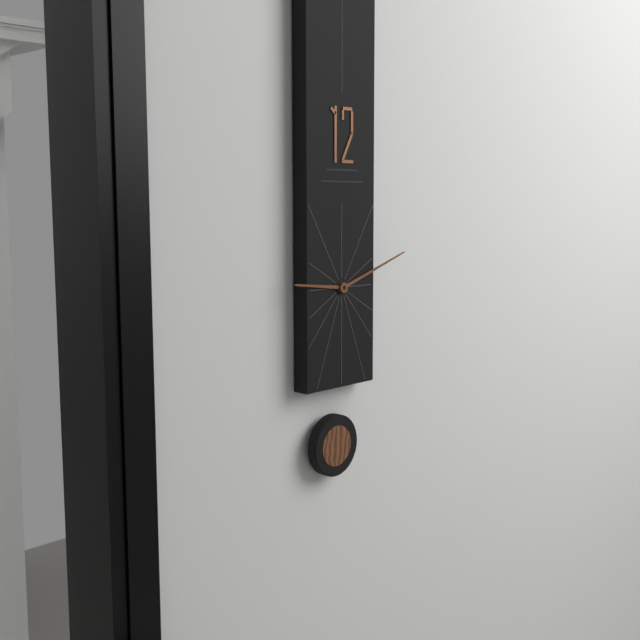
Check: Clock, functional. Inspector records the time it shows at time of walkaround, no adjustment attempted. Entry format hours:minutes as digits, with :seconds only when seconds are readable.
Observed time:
9:12
